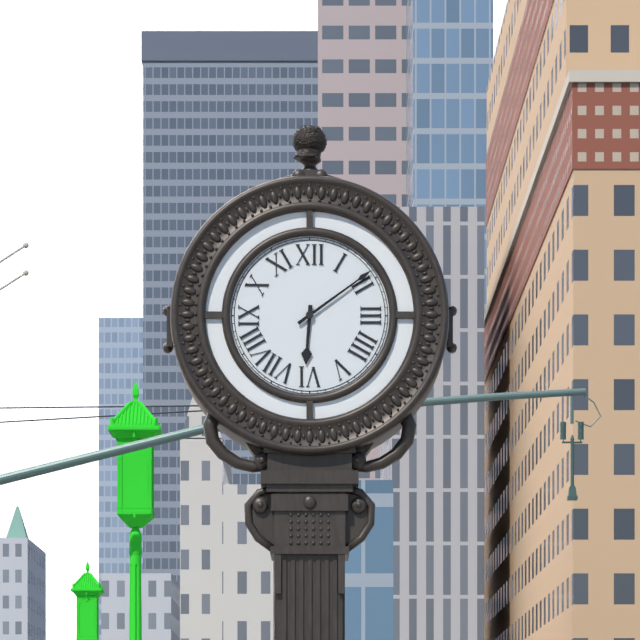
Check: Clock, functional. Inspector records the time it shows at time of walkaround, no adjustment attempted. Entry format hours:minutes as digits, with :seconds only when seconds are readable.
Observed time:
6:09
